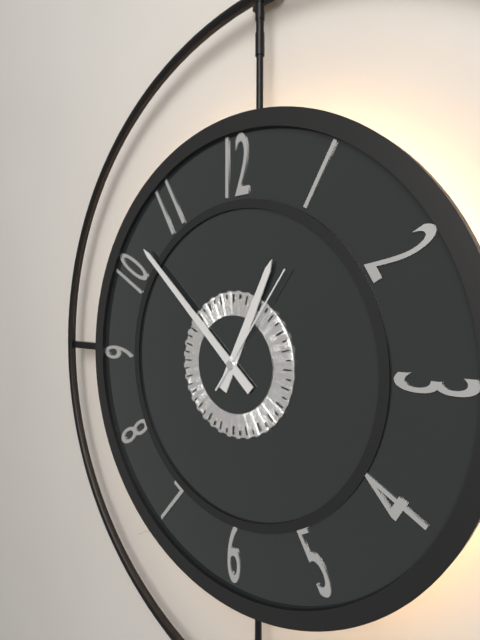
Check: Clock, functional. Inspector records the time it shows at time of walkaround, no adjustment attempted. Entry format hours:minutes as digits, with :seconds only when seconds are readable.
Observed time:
12:52:06
